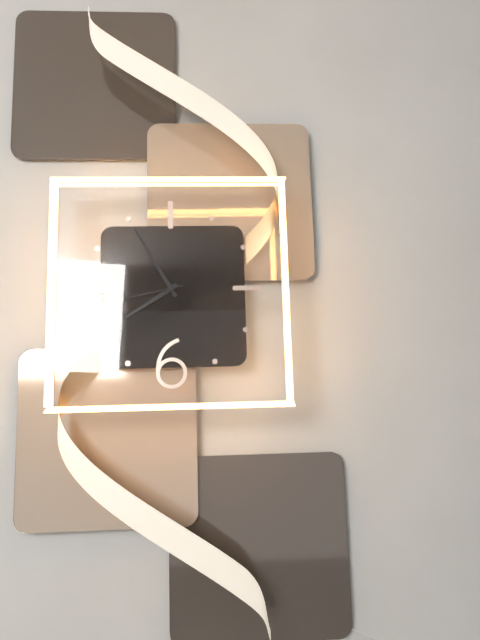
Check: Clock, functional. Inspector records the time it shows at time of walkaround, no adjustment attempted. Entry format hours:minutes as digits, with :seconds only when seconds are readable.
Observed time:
7:55:43
